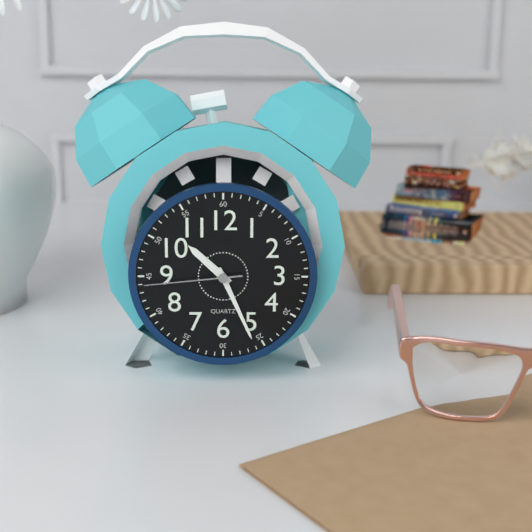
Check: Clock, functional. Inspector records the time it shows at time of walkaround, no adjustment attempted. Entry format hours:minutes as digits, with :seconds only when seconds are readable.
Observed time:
10:26:44
